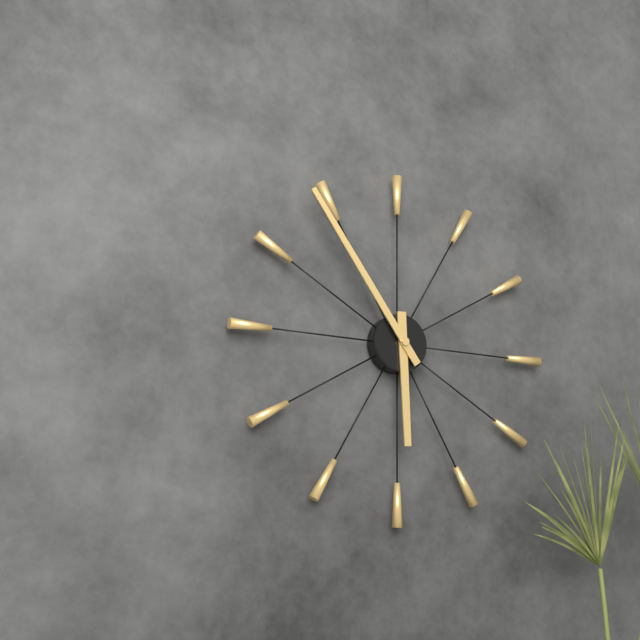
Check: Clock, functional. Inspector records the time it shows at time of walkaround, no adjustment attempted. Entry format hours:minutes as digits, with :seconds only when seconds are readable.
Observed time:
5:54
